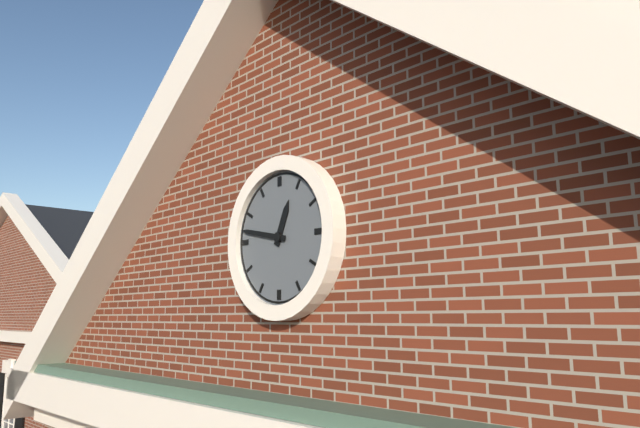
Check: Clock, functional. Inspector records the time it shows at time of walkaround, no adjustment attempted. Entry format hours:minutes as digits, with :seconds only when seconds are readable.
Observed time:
12:47
